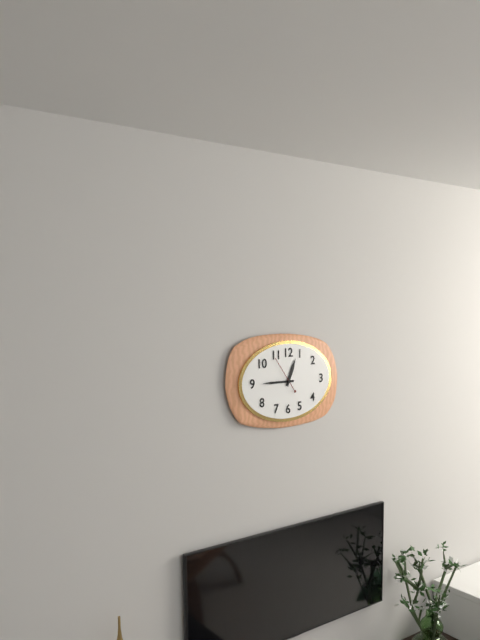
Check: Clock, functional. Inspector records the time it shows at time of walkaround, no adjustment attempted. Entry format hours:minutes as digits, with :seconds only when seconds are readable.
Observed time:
12:45
